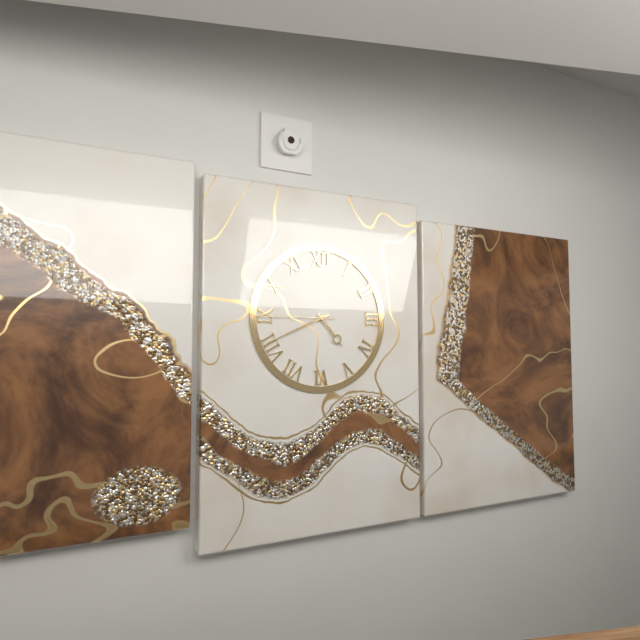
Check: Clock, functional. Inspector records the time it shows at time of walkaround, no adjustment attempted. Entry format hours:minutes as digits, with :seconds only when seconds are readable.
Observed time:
4:41:45
